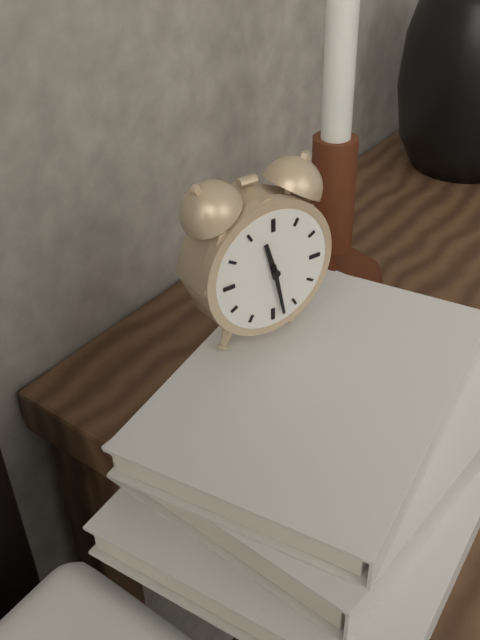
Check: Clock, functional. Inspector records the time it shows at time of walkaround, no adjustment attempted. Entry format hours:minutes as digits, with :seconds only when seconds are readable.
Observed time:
11:28
